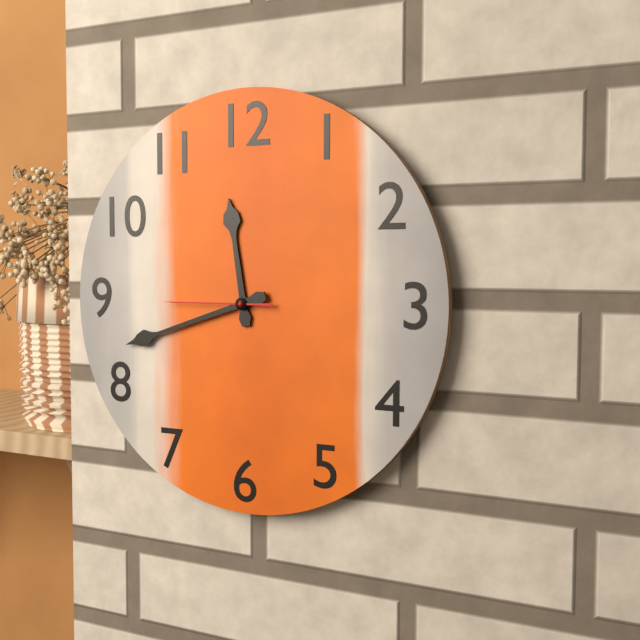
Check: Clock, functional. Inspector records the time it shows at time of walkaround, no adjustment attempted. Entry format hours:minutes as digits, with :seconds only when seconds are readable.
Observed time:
11:42:45
